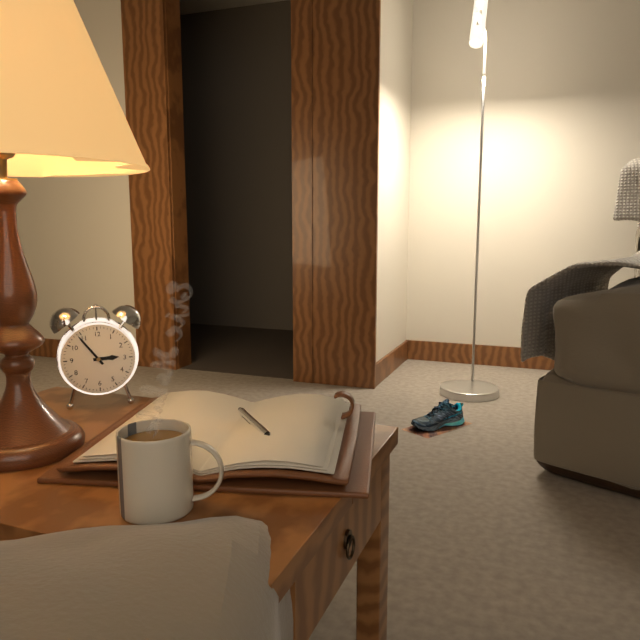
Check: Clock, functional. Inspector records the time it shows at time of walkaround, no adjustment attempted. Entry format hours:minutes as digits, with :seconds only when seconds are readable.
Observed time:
2:54
